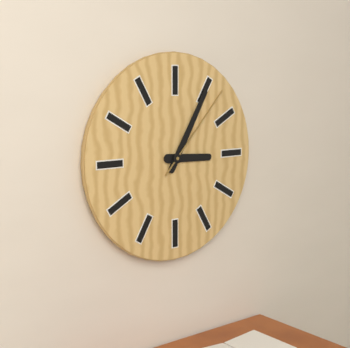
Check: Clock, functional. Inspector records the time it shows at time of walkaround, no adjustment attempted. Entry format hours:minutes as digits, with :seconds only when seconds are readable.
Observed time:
3:05:07
